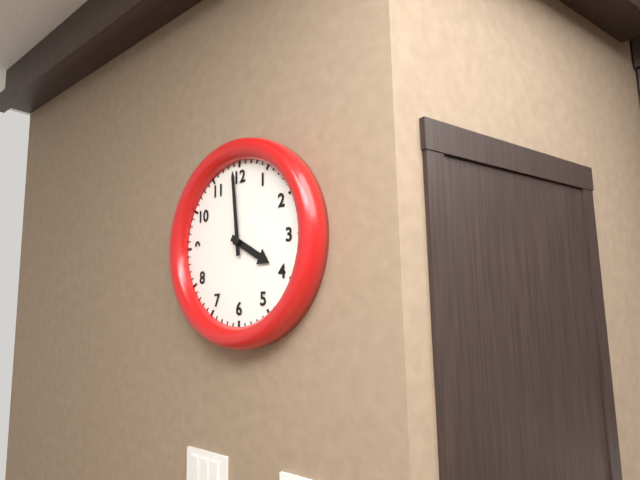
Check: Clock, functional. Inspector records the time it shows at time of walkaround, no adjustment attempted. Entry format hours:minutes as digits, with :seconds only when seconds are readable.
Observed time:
3:59
